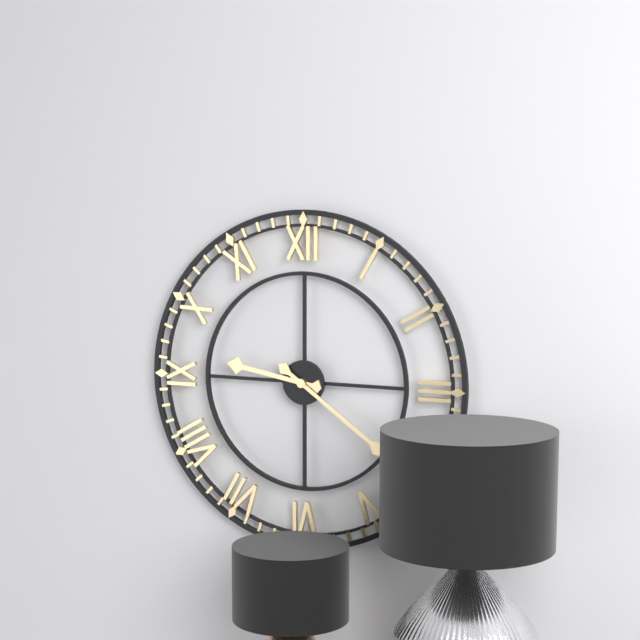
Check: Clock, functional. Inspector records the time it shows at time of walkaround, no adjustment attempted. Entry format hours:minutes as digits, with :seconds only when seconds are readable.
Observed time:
9:21
